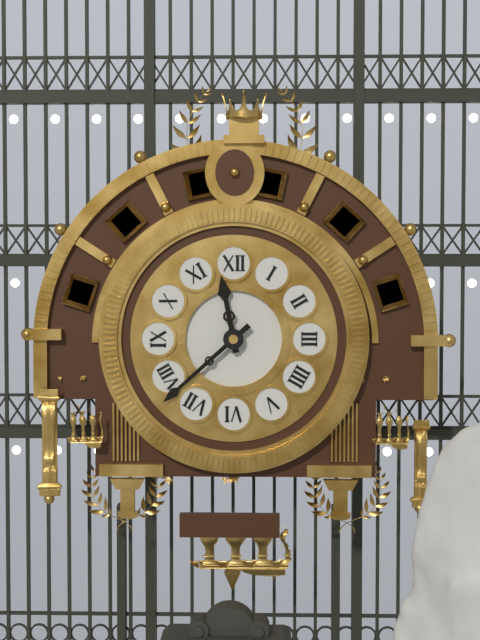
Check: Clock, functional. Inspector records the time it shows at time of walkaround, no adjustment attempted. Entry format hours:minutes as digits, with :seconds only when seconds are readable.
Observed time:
11:38
